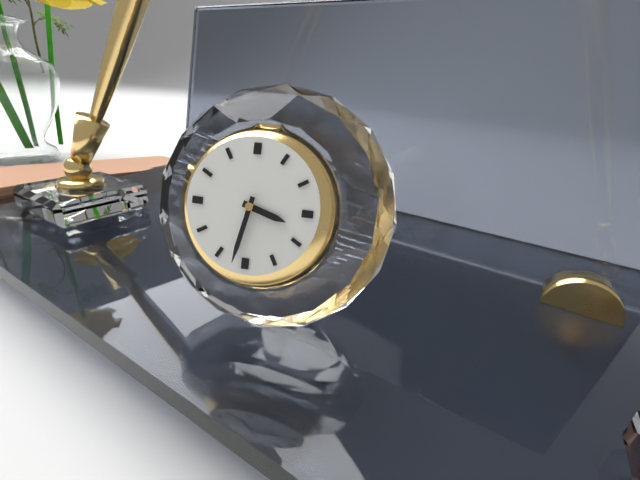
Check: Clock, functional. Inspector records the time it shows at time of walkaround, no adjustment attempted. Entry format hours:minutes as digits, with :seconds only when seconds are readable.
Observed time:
3:32
